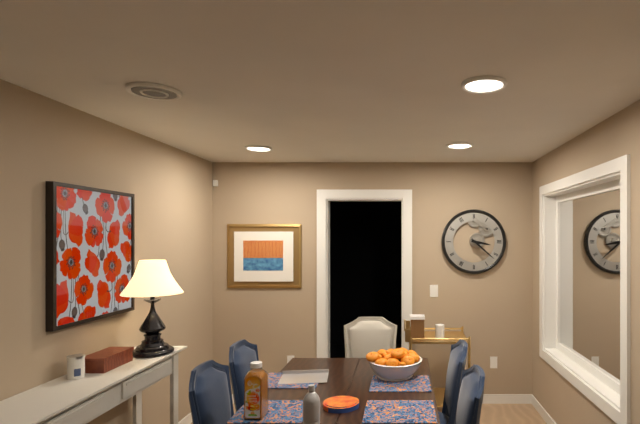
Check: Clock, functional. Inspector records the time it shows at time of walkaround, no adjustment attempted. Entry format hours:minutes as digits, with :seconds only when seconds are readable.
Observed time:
3:22
